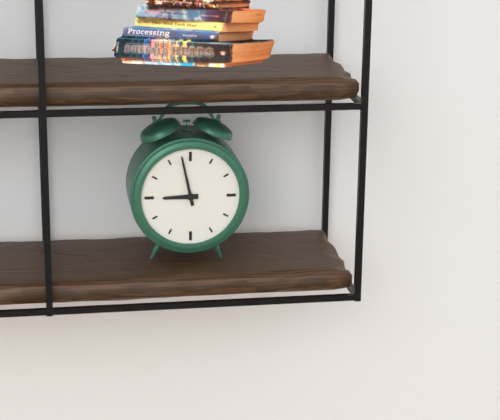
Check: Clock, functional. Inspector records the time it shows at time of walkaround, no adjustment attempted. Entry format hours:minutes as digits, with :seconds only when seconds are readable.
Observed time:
8:58
